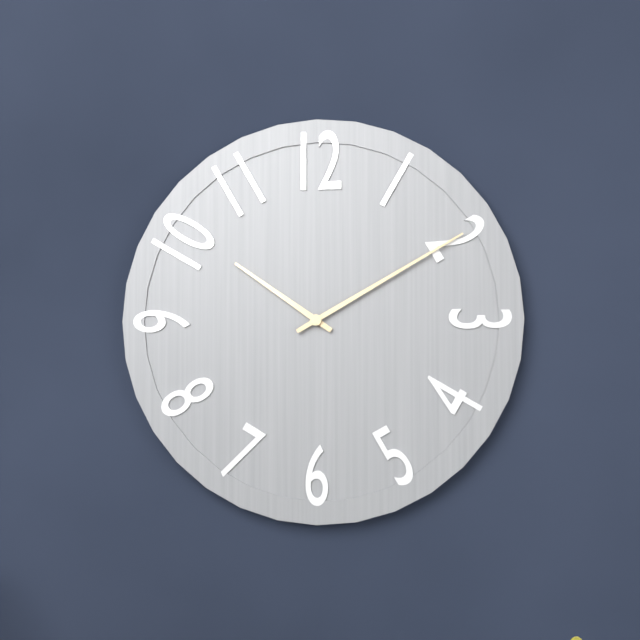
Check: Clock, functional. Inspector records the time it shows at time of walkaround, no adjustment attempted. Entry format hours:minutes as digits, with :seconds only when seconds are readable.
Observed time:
10:10
